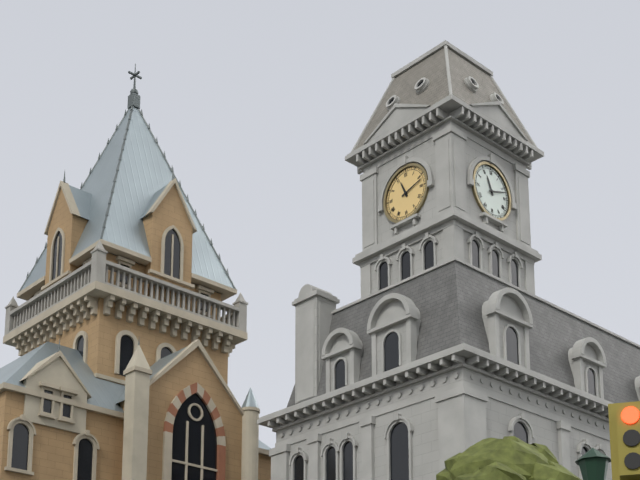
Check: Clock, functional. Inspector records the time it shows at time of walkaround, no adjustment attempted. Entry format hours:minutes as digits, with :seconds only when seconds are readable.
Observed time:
11:12
